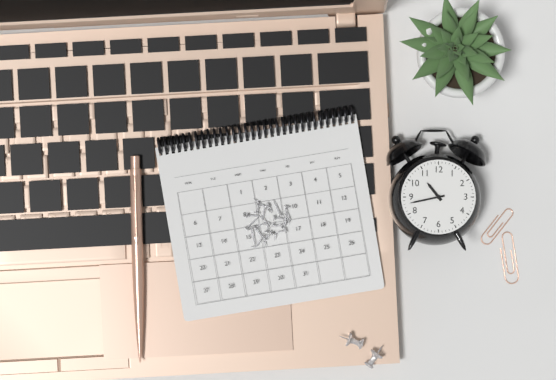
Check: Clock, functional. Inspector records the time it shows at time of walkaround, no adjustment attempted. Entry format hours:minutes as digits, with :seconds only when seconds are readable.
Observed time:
10:43
